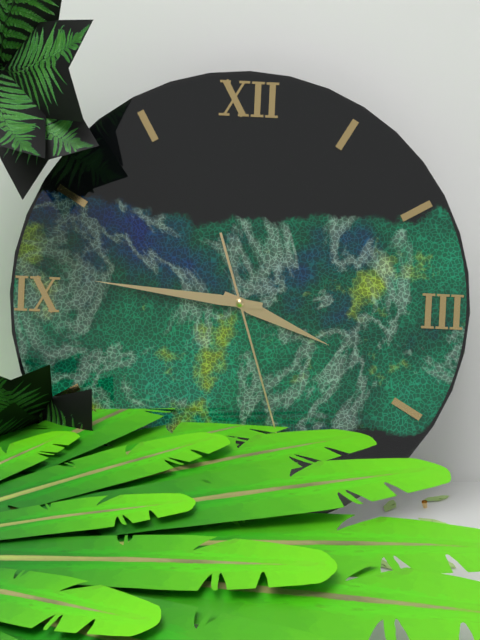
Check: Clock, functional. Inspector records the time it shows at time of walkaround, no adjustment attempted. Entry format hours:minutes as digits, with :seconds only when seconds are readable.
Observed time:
3:46:27
